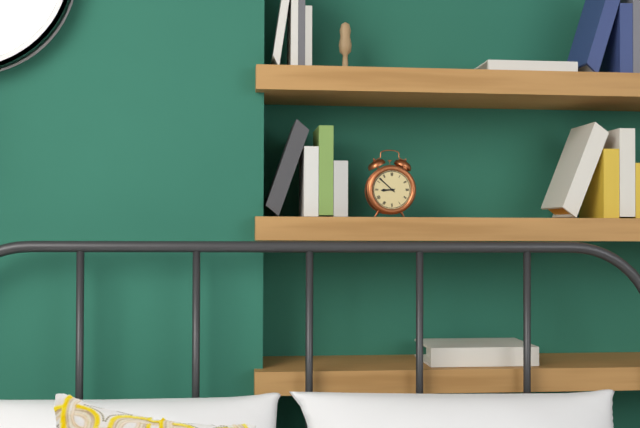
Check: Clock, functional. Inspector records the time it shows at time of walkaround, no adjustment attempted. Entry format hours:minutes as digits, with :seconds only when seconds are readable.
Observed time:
8:52
